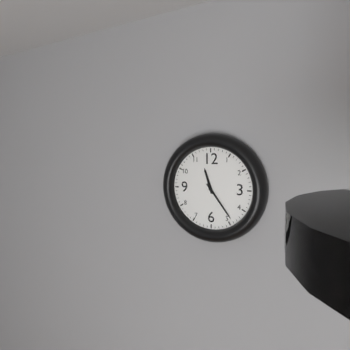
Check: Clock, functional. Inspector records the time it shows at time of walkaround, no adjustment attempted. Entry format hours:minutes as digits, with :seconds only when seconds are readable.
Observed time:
11:24
